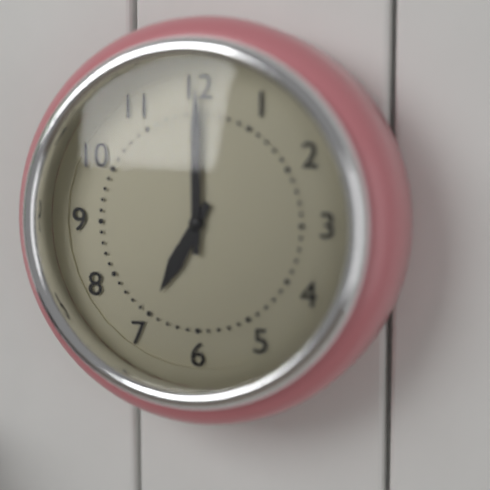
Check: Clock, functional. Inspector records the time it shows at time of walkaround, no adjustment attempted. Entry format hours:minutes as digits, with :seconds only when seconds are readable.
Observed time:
7:00
